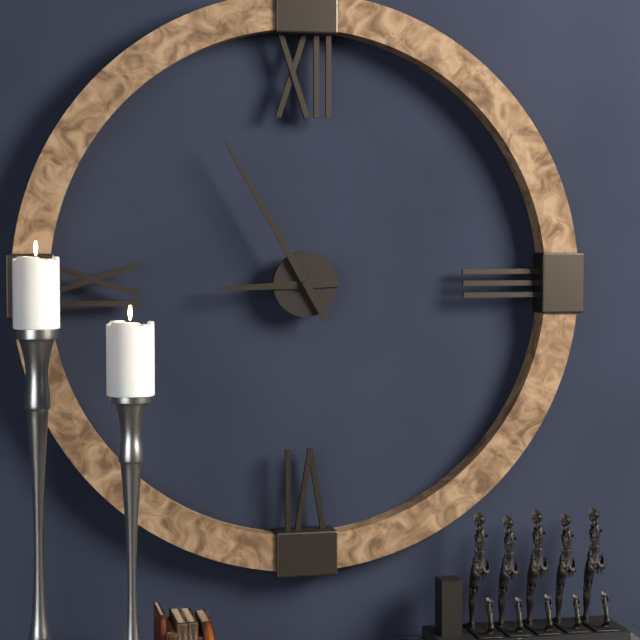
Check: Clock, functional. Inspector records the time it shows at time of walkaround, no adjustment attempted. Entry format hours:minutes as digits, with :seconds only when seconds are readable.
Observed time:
8:55
